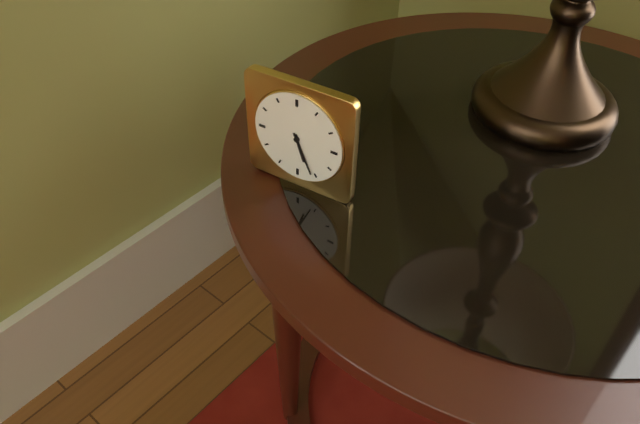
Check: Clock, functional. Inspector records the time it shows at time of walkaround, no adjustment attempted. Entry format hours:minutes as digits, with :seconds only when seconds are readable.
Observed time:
5:26
